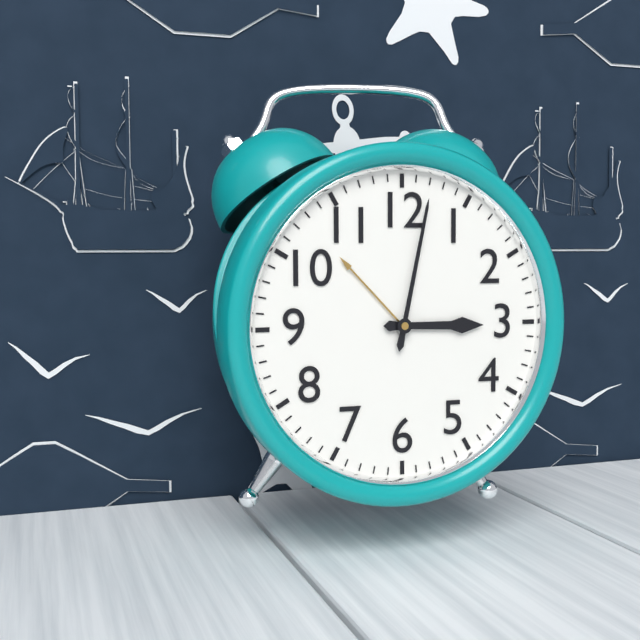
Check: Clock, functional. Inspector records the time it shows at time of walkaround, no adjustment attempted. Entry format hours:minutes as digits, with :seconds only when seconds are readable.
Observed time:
3:02
